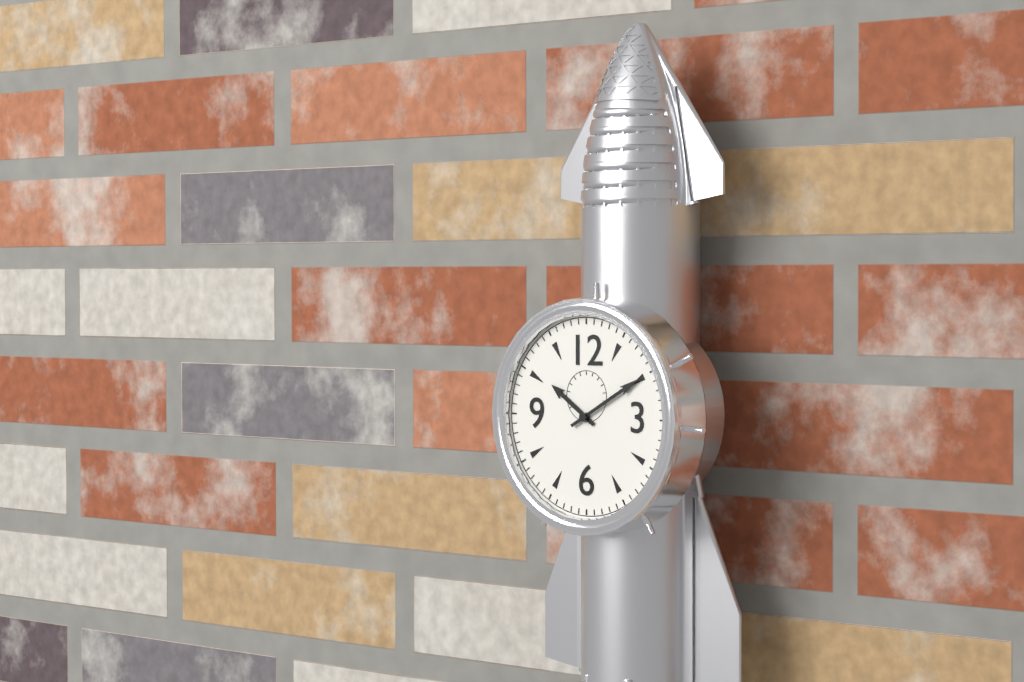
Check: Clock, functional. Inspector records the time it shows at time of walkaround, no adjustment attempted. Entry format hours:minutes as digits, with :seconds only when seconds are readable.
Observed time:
10:10
